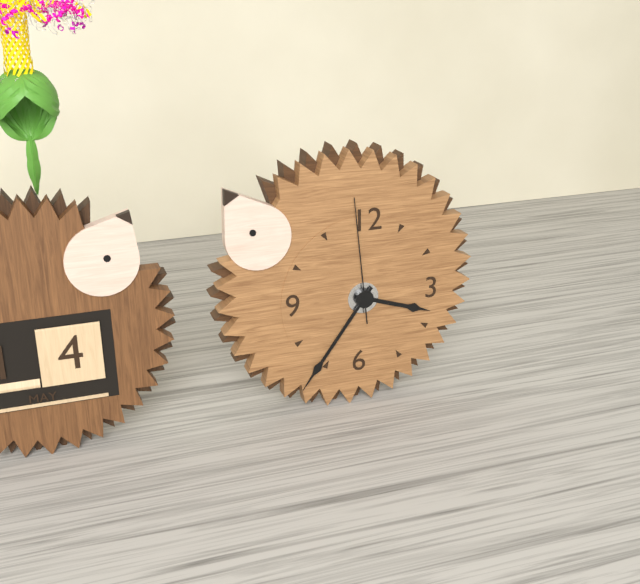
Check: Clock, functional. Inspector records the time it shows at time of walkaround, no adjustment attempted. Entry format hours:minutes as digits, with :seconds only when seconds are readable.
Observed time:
3:36:59
